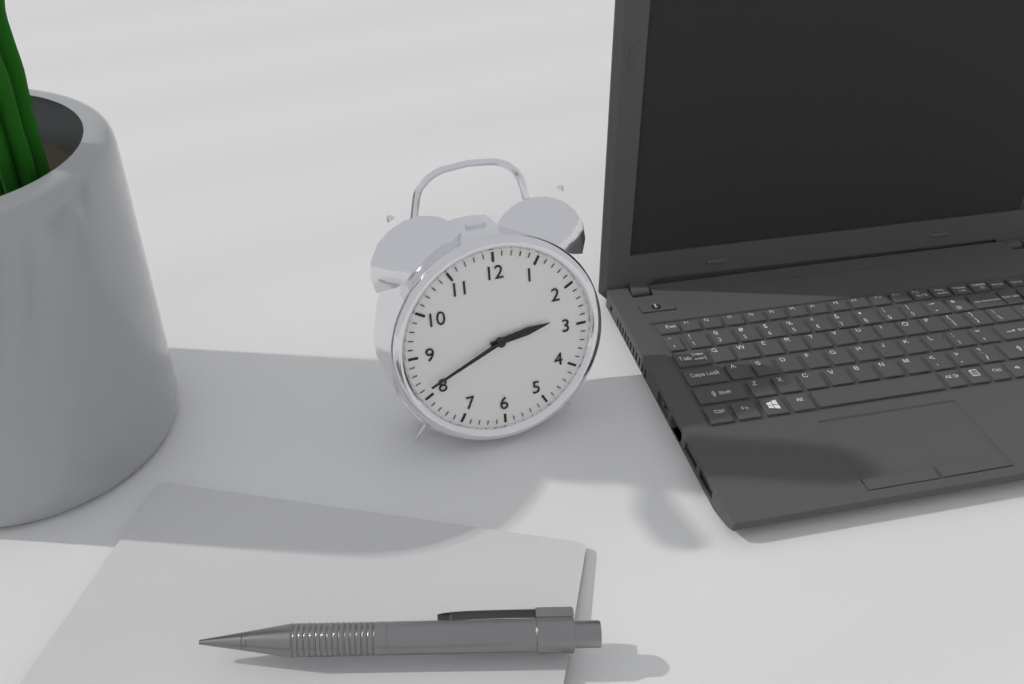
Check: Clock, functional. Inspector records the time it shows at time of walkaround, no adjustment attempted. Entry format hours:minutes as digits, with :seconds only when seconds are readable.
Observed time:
2:41
